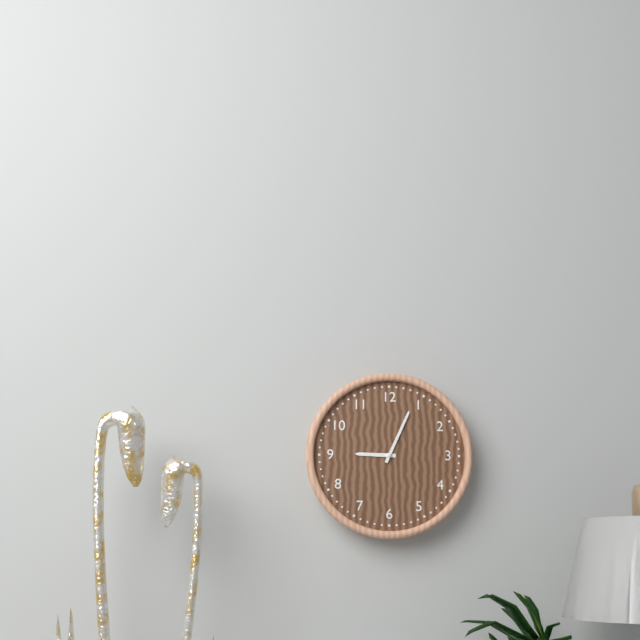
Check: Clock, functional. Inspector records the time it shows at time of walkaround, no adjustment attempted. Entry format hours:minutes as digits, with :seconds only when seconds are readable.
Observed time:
9:04
